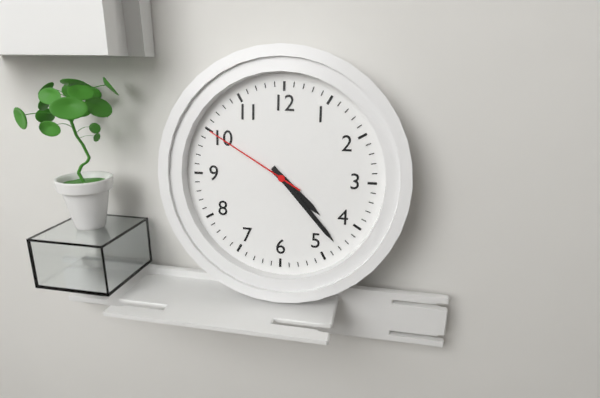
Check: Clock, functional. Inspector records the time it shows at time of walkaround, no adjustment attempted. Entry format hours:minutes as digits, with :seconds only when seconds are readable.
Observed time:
4:23:50
